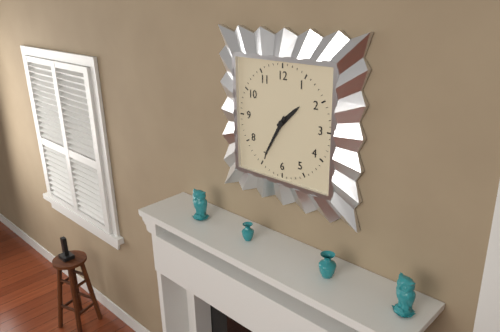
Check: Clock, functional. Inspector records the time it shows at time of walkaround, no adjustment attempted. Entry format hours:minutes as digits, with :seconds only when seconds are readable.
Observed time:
1:35
